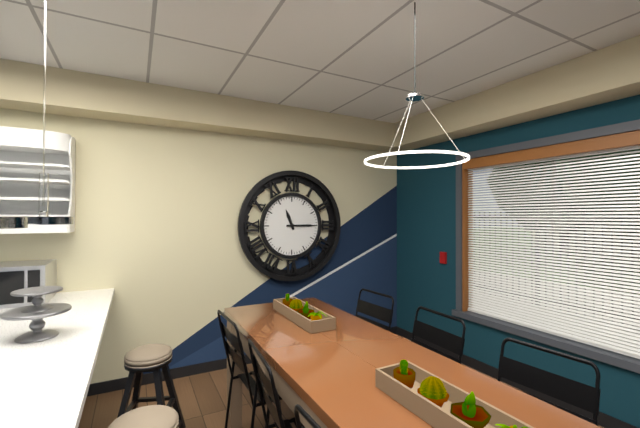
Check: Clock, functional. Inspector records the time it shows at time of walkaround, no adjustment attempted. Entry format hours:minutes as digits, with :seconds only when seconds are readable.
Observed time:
11:15
